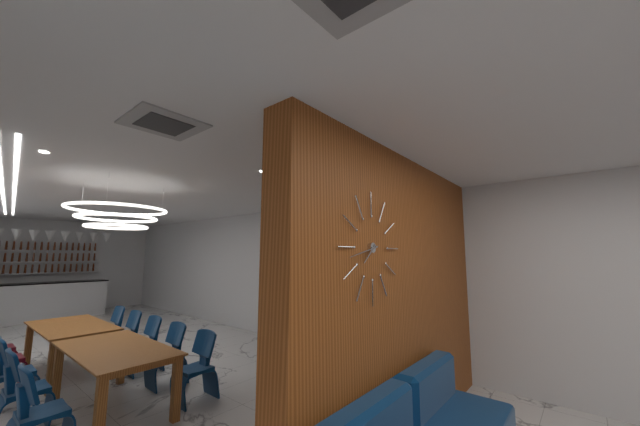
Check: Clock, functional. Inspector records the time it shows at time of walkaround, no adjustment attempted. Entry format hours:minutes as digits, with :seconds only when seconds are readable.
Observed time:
7:43
